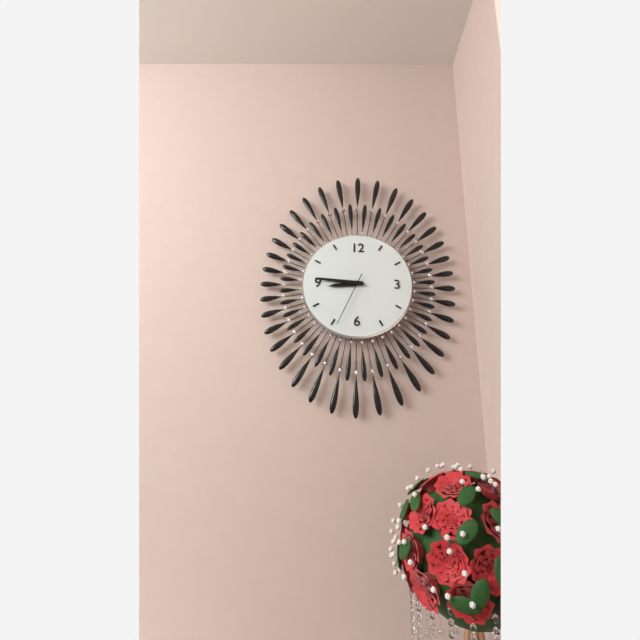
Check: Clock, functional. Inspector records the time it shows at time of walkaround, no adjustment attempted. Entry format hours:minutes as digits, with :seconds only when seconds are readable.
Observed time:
8:46:34
